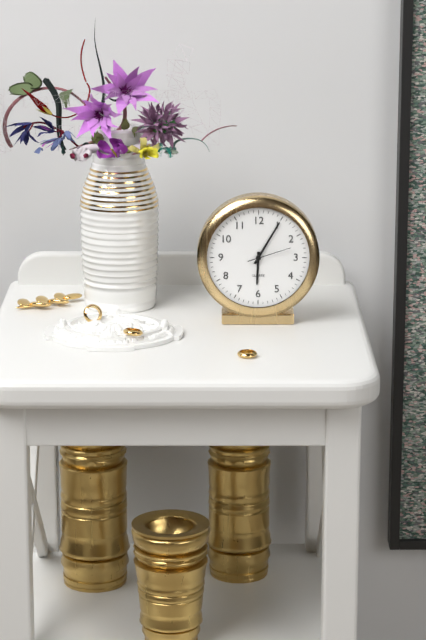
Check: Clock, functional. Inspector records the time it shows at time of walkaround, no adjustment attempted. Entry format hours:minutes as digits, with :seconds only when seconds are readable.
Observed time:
6:05
